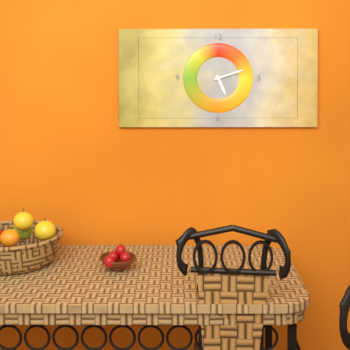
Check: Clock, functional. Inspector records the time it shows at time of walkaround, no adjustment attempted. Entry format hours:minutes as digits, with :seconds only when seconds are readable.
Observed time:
5:12
